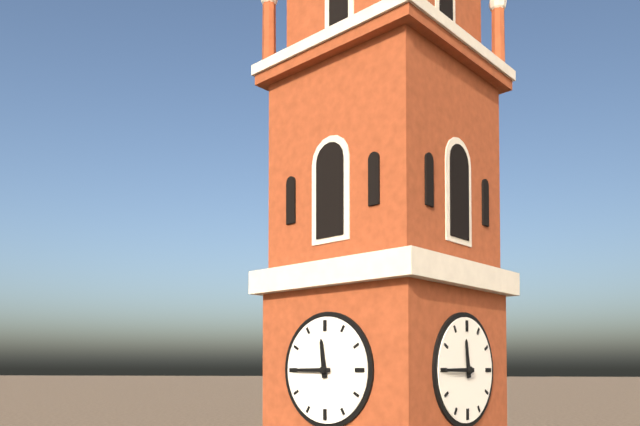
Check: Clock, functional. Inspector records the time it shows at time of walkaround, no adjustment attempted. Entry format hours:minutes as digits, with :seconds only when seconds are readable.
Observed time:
11:45
